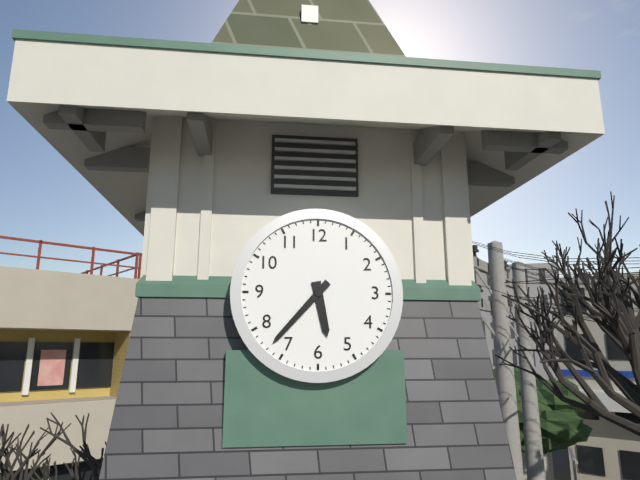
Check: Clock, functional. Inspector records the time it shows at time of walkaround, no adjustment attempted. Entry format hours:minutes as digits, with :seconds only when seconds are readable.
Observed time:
5:37
